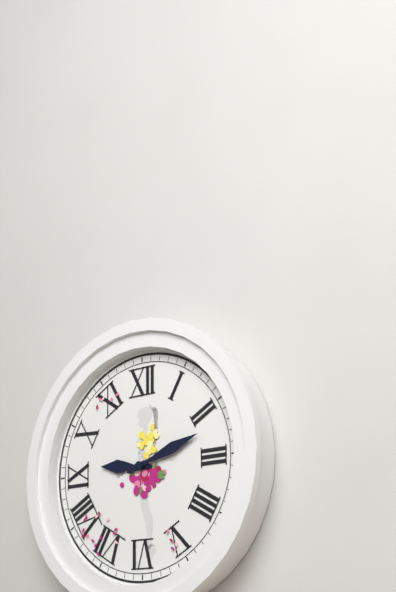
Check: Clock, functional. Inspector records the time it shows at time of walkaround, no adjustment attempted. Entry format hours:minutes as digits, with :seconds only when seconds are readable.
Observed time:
9:12
